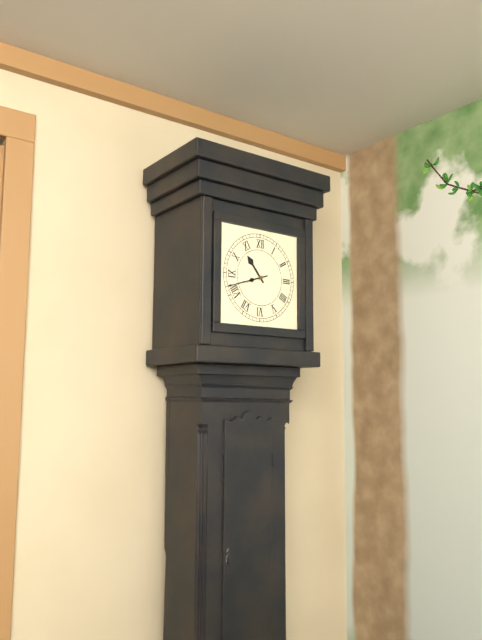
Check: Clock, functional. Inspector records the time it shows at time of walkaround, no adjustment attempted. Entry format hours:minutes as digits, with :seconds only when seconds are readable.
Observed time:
10:42
